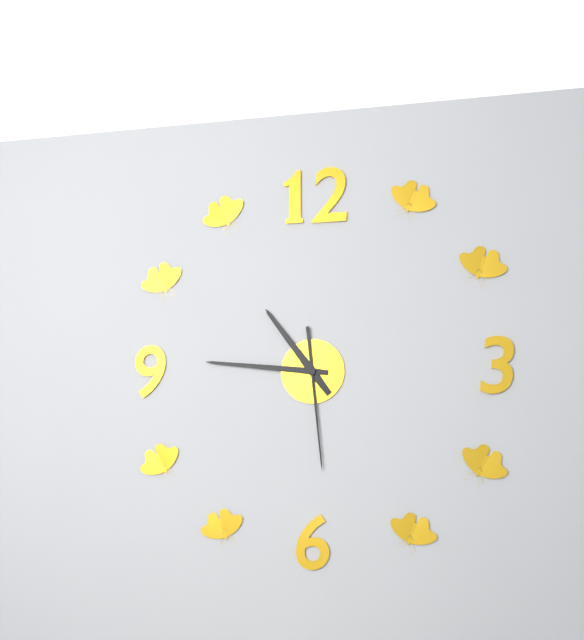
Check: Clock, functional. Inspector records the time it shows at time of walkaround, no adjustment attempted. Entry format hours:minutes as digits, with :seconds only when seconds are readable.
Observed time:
10:46:29
